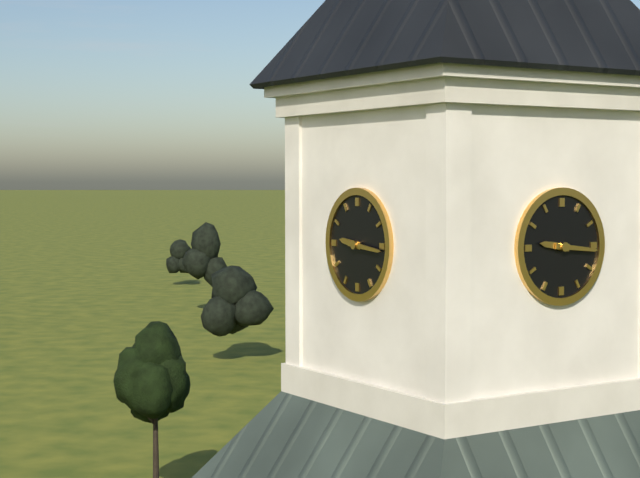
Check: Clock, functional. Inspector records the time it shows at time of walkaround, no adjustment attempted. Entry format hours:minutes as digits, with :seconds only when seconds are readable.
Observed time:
9:16
